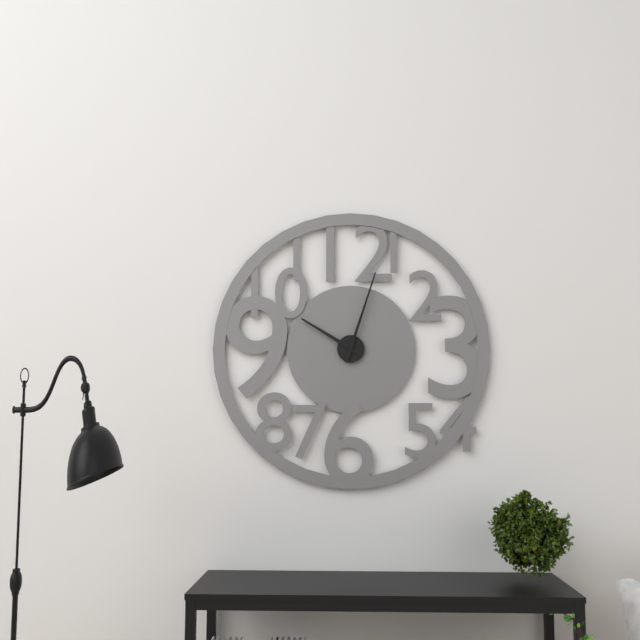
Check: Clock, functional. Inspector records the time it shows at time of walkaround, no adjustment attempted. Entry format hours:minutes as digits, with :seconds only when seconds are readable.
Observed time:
10:03
